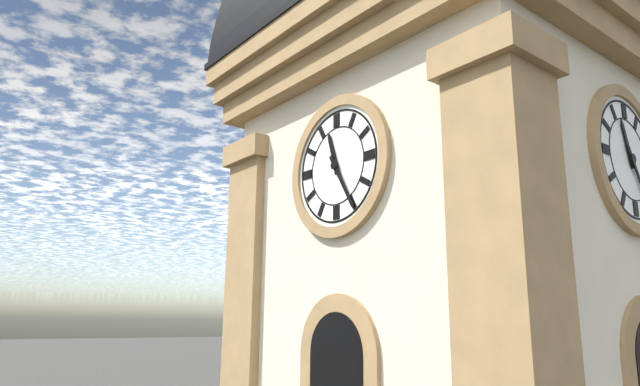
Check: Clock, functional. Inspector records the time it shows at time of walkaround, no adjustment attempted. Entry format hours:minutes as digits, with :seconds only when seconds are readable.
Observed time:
11:25
